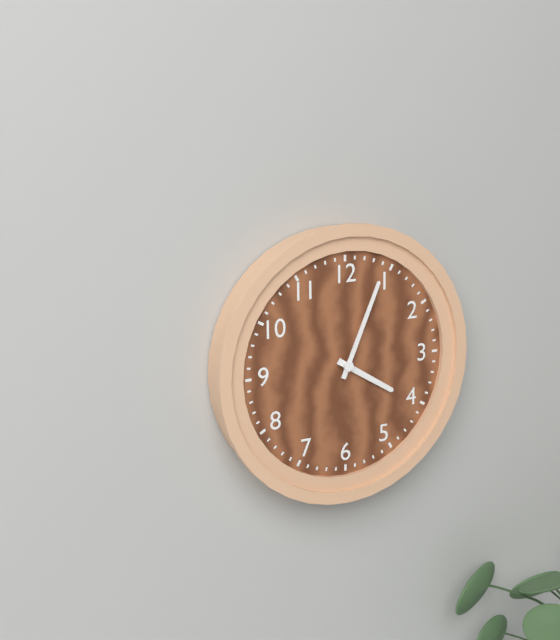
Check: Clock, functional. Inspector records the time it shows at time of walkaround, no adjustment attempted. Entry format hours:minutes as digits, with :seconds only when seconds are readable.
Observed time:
4:04
